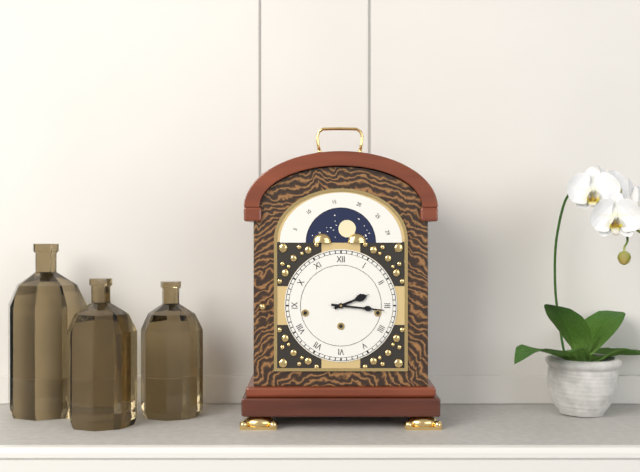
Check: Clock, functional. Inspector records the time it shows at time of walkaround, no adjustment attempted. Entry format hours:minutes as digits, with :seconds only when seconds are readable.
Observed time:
2:16
